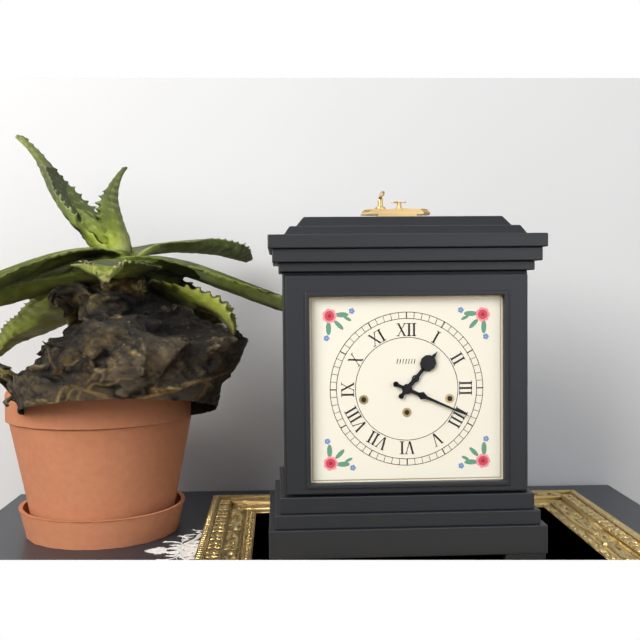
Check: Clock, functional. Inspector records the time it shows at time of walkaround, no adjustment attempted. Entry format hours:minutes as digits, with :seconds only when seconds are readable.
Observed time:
1:19
